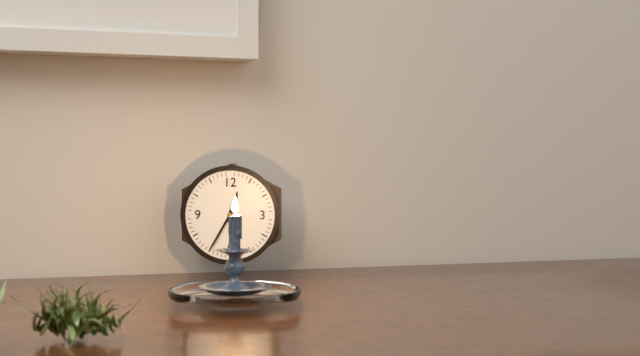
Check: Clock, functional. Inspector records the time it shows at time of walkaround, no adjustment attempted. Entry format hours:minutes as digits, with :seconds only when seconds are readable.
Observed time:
12:35
